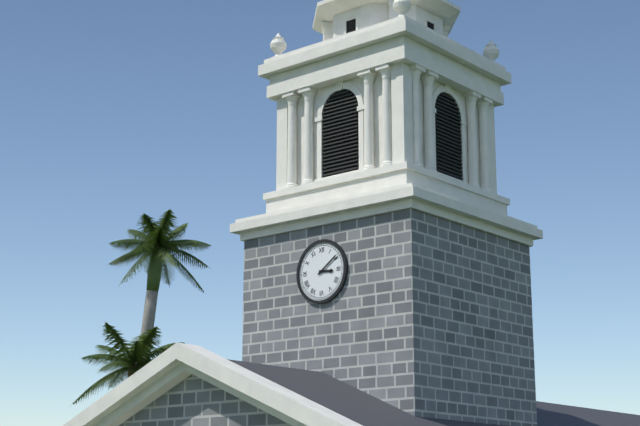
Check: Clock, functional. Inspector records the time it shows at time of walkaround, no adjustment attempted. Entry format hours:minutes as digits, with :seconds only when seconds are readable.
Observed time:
3:09
